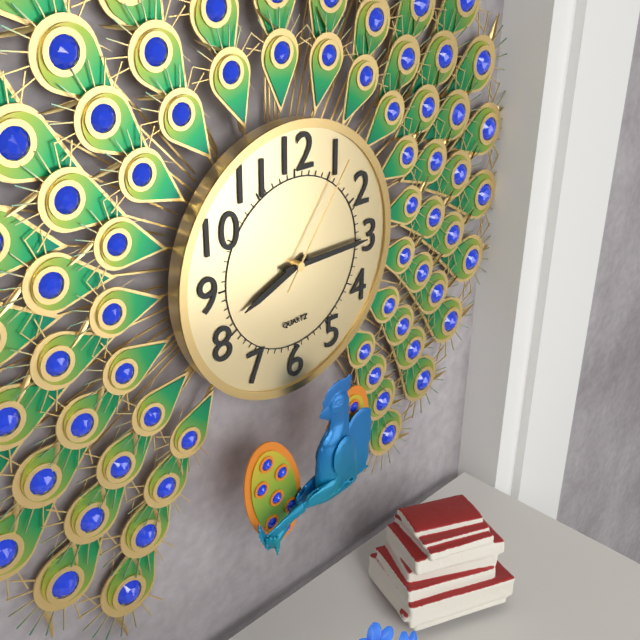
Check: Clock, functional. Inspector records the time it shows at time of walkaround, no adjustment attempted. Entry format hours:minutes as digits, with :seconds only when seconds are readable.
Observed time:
8:15:06
